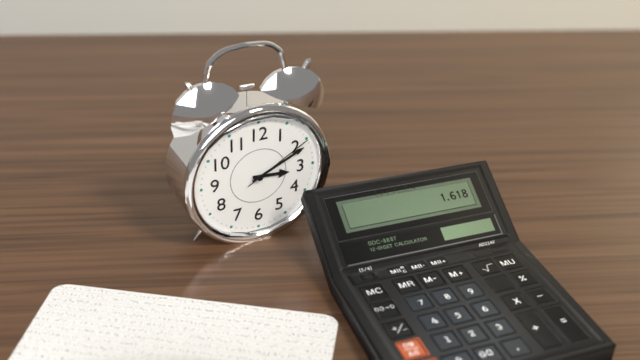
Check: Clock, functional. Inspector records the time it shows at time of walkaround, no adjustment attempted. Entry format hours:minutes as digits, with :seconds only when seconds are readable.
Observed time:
3:11:10
